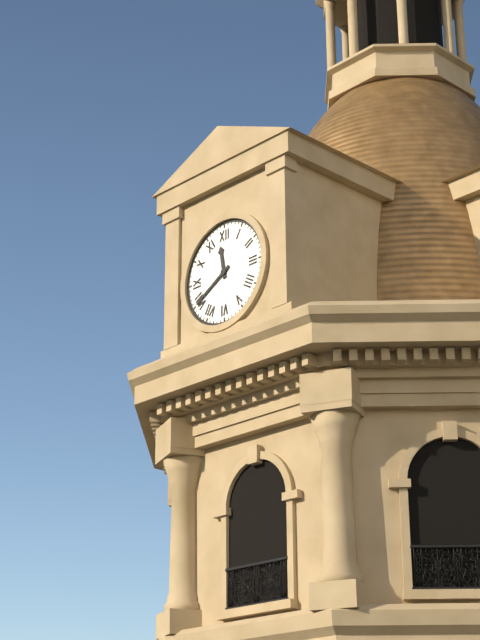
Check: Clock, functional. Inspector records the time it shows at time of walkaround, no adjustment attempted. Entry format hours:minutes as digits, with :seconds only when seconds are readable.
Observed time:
11:40
